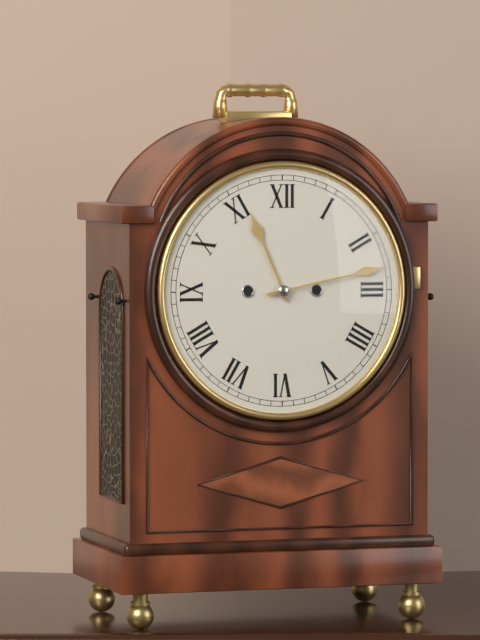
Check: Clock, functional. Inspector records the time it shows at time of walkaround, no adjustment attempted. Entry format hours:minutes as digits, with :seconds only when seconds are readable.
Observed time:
11:13
